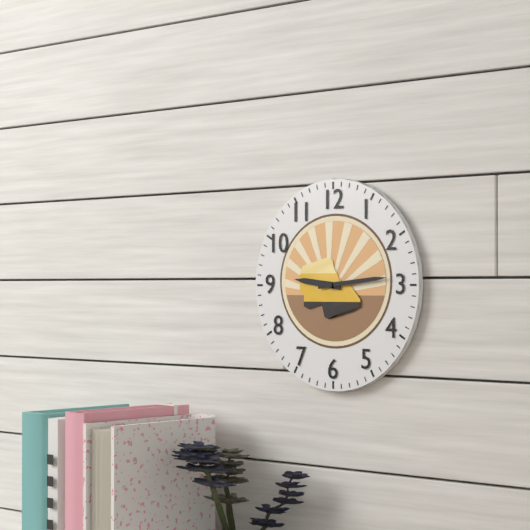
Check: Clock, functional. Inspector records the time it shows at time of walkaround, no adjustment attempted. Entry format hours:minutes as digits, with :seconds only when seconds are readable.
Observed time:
9:14
